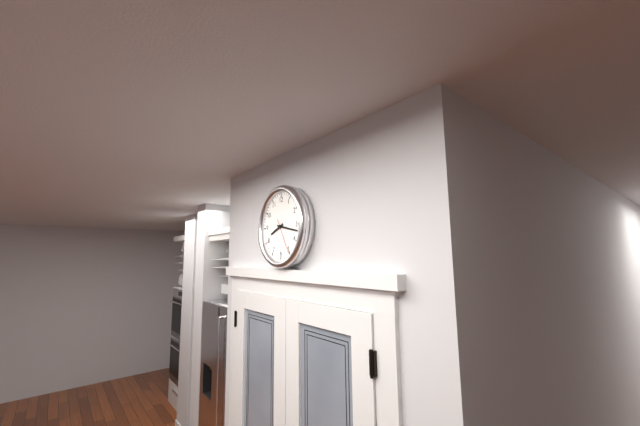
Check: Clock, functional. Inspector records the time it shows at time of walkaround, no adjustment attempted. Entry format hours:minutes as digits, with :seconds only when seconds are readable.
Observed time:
8:17
